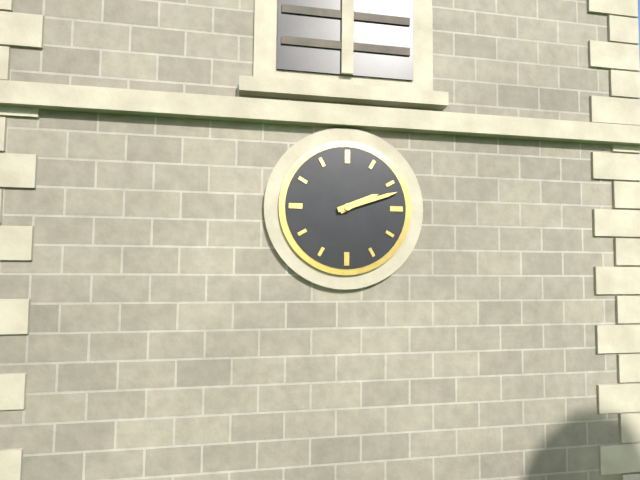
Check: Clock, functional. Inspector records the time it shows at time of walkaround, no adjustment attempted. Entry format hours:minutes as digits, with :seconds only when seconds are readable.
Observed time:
2:12
